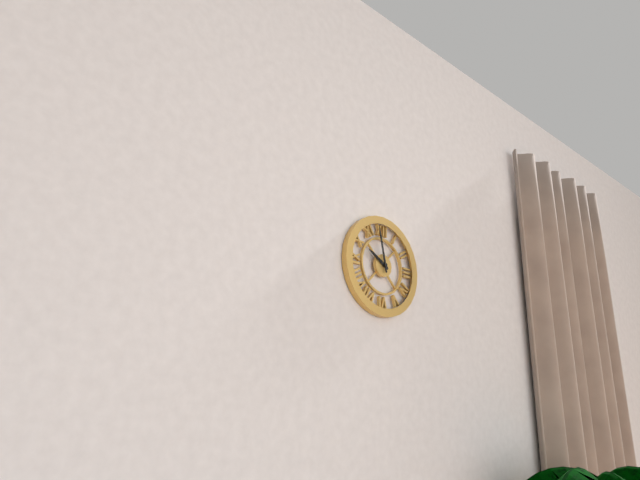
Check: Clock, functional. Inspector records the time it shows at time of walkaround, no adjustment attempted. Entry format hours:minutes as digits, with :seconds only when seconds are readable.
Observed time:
9:58
